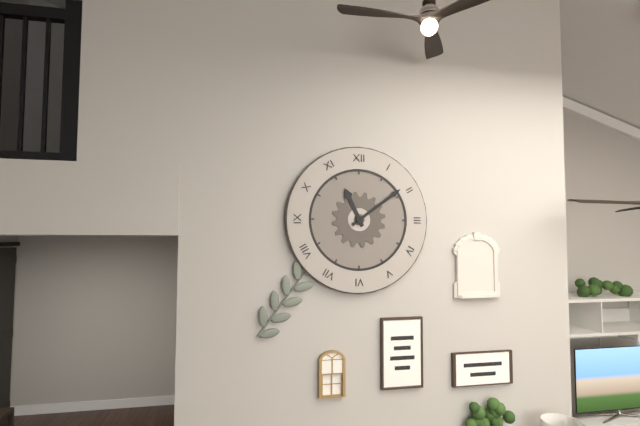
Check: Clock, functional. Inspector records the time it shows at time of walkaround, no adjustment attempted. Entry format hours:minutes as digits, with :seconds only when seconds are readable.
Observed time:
11:09
